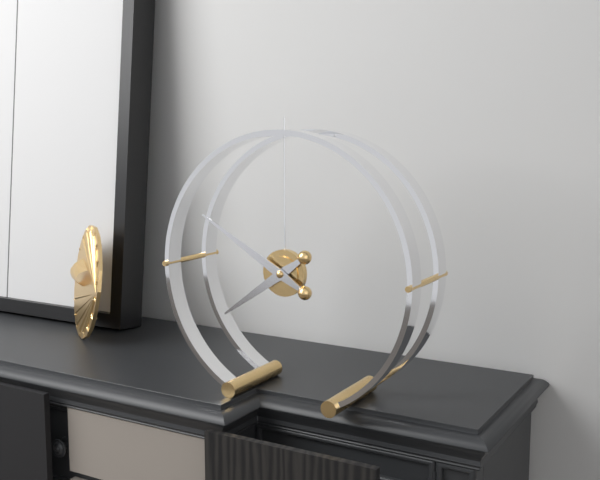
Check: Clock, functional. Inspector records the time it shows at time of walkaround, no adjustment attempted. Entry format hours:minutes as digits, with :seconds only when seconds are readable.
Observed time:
7:50
